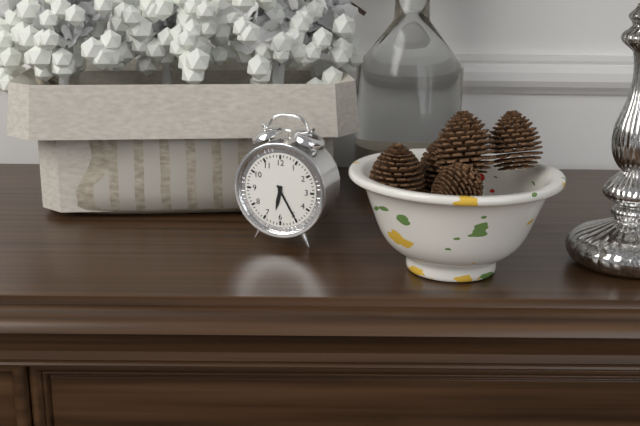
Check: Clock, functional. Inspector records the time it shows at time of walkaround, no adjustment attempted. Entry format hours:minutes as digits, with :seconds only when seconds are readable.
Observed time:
6:25
